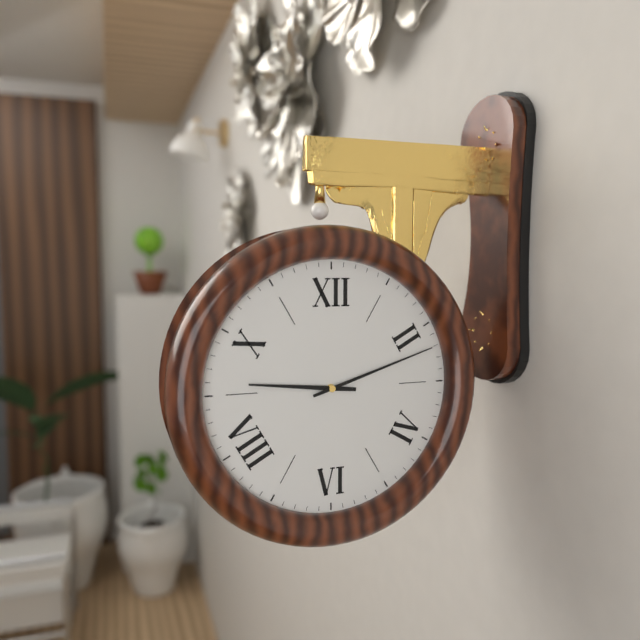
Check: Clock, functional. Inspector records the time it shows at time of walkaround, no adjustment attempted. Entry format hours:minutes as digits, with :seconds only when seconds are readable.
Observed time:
9:12
